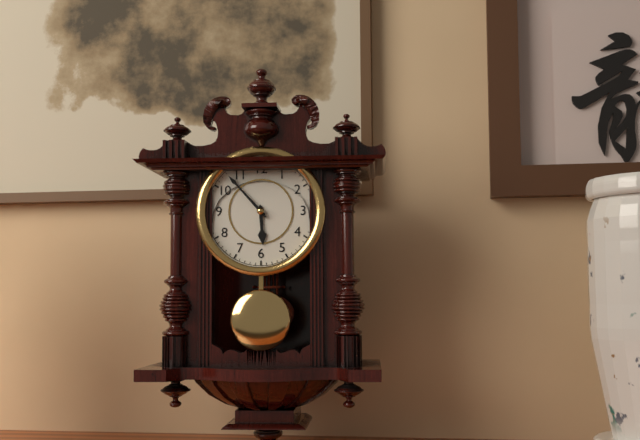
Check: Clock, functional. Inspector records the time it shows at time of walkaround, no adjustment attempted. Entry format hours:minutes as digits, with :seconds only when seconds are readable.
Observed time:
5:53
